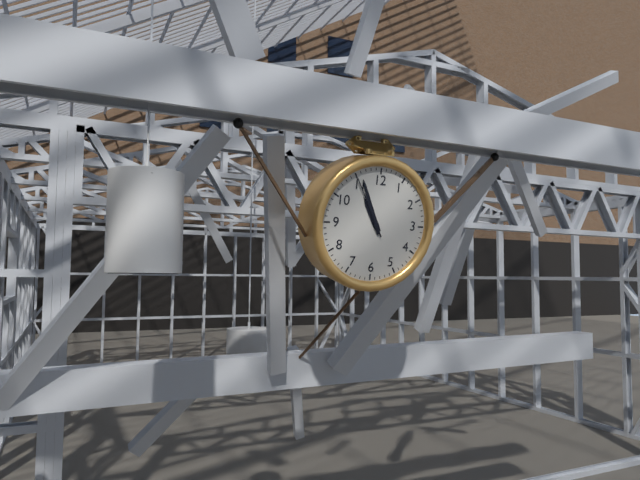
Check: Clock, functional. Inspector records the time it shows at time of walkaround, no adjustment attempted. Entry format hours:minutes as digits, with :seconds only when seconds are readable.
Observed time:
10:56:55
